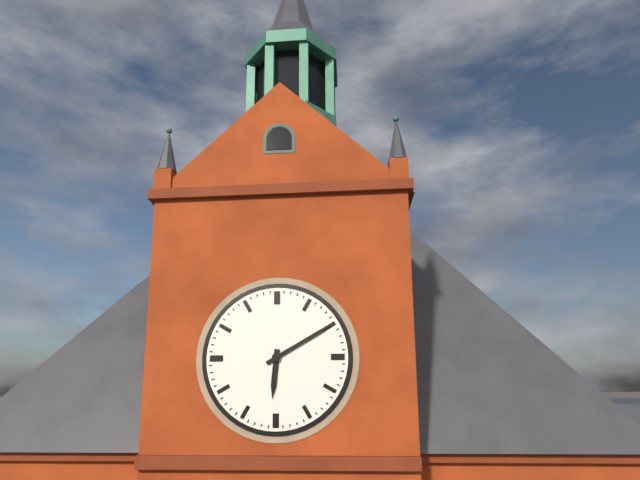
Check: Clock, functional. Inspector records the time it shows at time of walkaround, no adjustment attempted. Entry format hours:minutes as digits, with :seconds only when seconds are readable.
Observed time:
6:10
